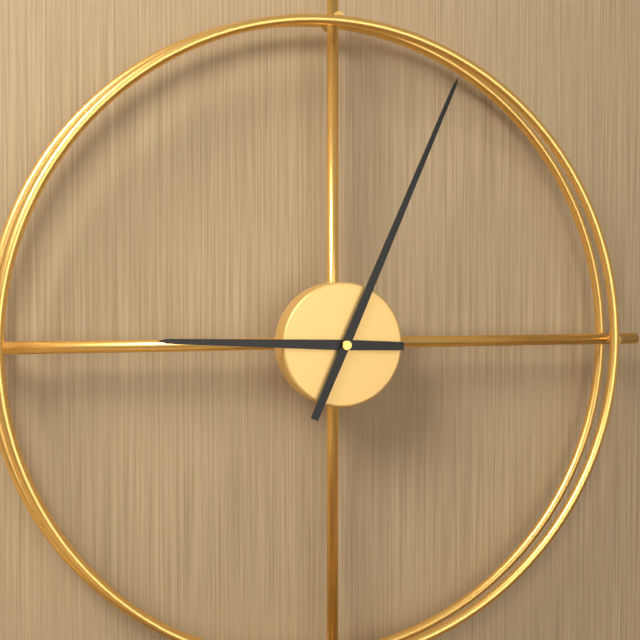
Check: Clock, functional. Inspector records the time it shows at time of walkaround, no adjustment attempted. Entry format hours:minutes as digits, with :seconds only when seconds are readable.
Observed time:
9:04
